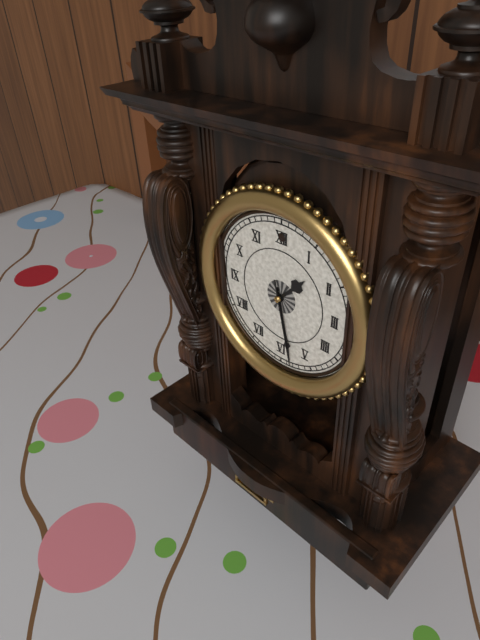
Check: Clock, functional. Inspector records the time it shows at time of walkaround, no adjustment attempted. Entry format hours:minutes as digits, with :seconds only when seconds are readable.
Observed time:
1:28:28
